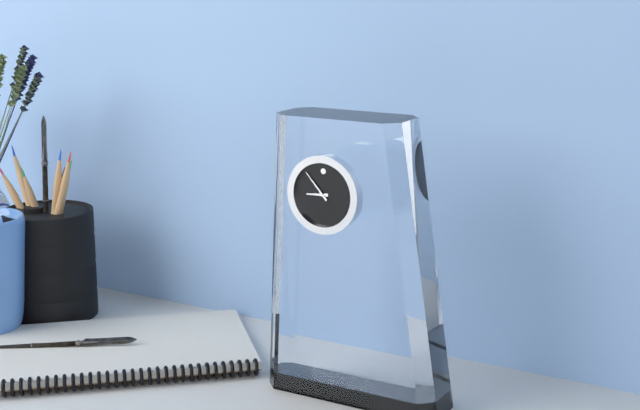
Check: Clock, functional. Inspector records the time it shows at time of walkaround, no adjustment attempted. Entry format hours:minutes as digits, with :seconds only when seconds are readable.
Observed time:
8:53
